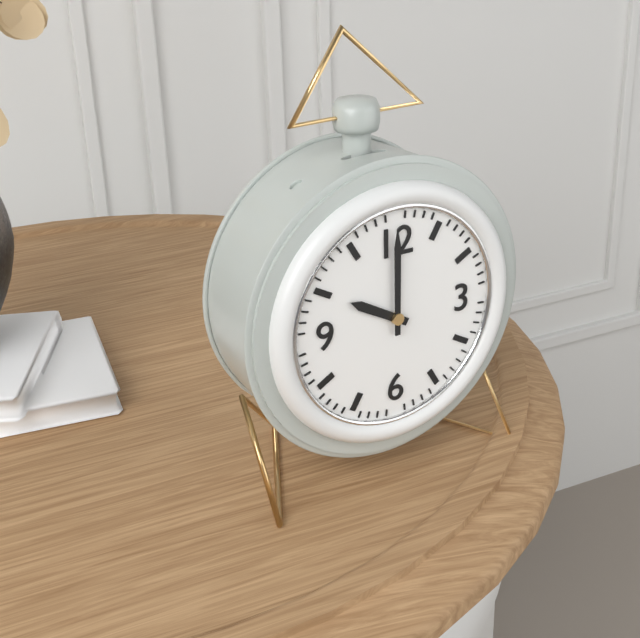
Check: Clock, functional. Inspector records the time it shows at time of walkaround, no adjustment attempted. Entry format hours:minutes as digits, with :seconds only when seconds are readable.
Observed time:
10:00
